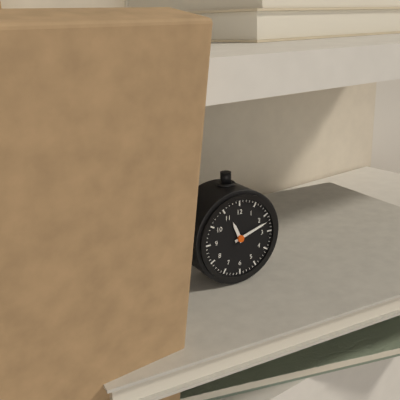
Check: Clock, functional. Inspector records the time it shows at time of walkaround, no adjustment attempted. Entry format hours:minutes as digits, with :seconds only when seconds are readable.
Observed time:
11:12
